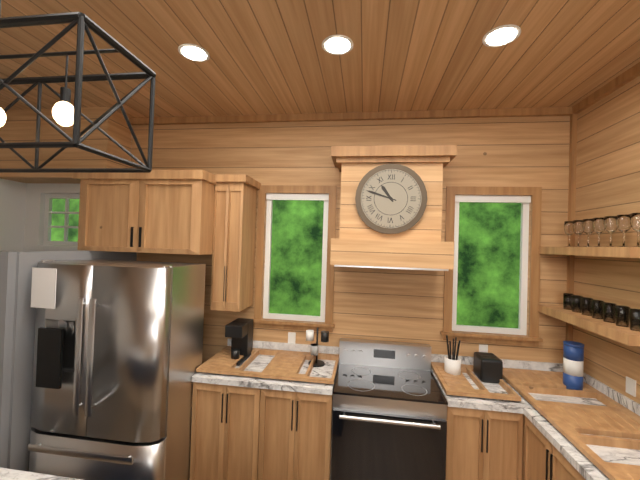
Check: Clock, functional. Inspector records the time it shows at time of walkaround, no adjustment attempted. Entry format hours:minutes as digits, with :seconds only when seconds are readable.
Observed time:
10:48
